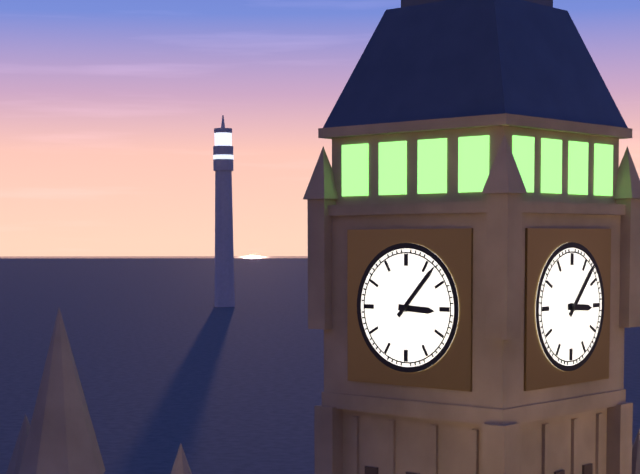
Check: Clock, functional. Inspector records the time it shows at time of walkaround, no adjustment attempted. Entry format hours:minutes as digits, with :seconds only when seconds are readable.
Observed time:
3:07
